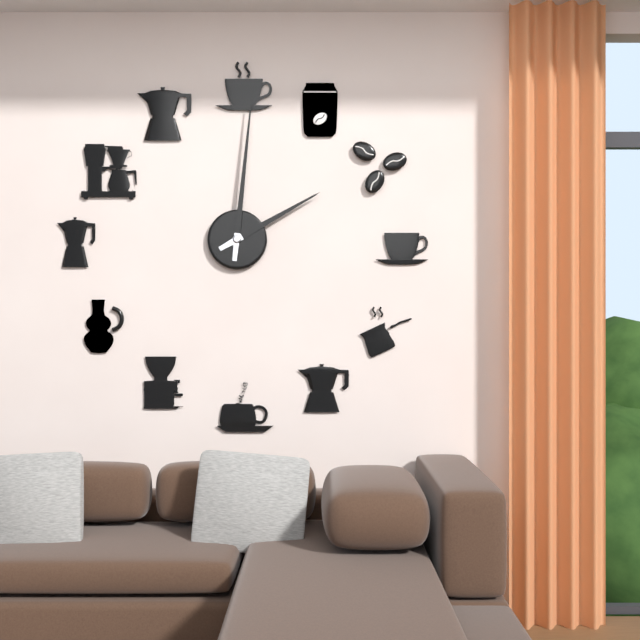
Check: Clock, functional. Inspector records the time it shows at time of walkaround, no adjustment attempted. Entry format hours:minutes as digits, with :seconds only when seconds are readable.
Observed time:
2:01
